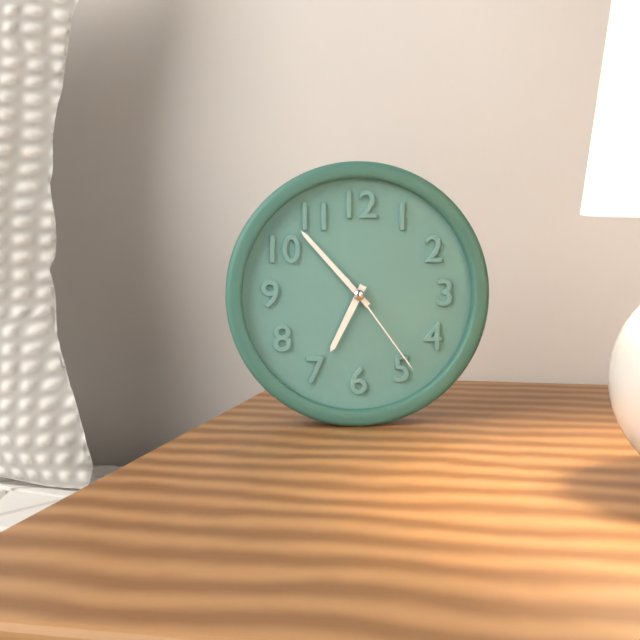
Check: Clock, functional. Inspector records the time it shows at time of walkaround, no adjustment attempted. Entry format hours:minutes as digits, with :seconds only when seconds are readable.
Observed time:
6:53:24
